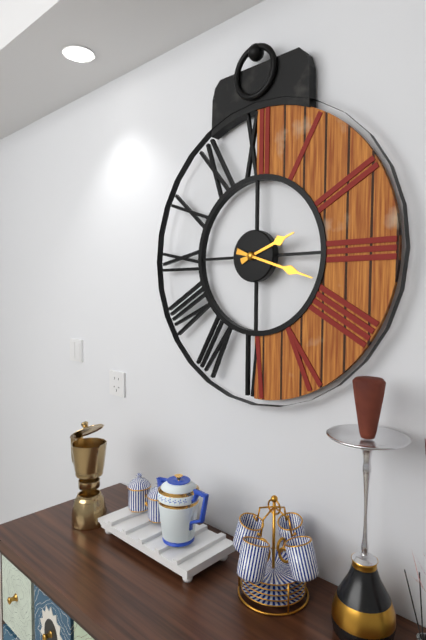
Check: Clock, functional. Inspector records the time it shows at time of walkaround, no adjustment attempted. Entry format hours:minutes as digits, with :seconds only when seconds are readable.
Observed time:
2:18
